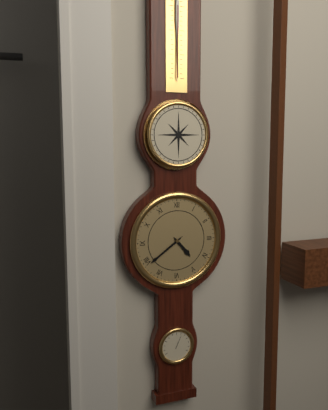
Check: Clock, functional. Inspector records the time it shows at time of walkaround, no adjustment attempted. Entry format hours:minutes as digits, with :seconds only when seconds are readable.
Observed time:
4:39
